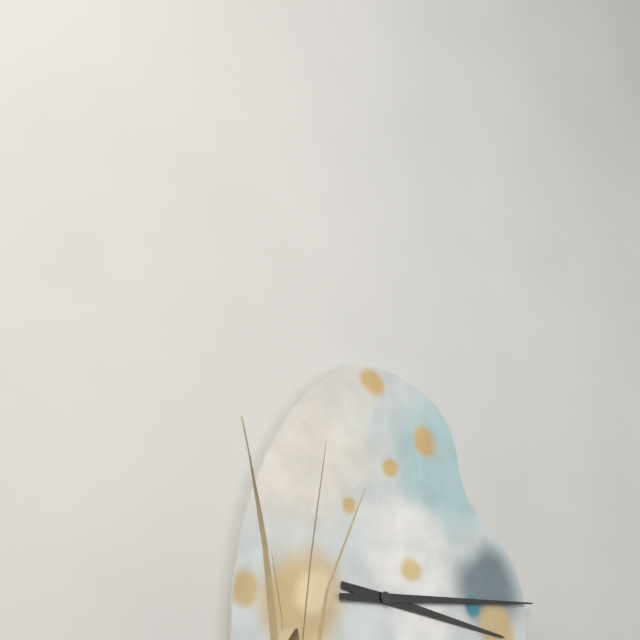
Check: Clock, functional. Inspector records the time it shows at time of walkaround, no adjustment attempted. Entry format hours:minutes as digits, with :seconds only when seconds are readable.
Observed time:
3:14
